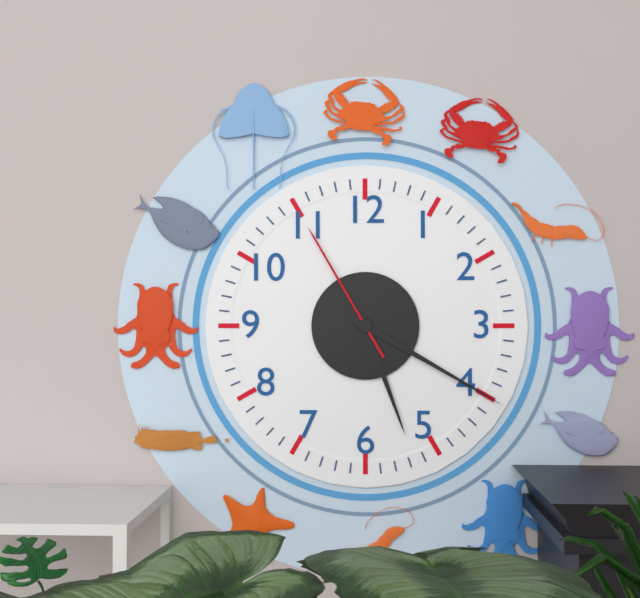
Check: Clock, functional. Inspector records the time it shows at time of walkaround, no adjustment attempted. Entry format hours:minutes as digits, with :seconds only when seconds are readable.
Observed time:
5:20:55
